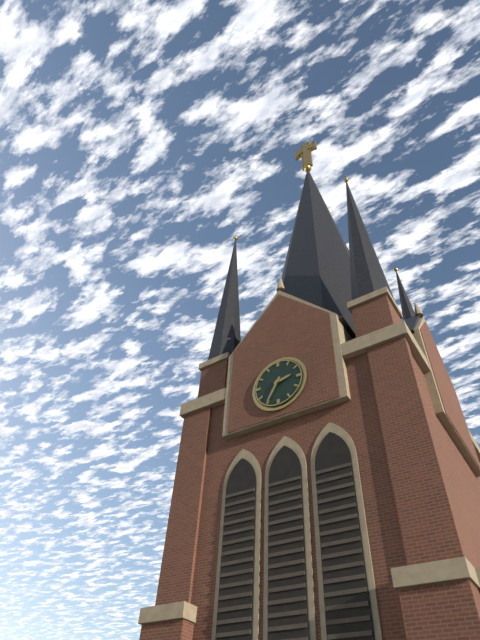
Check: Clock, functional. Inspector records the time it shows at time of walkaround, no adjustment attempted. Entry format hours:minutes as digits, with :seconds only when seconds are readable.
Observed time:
2:35
